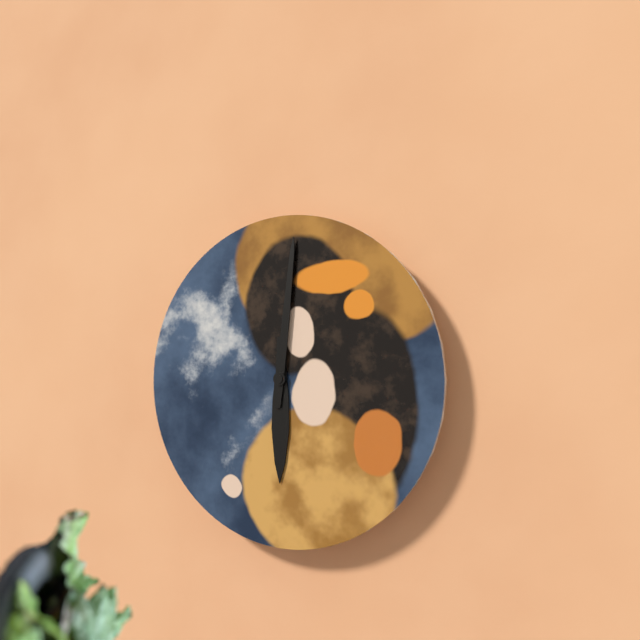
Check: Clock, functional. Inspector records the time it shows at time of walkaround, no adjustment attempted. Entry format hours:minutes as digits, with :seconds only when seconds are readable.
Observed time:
6:01
